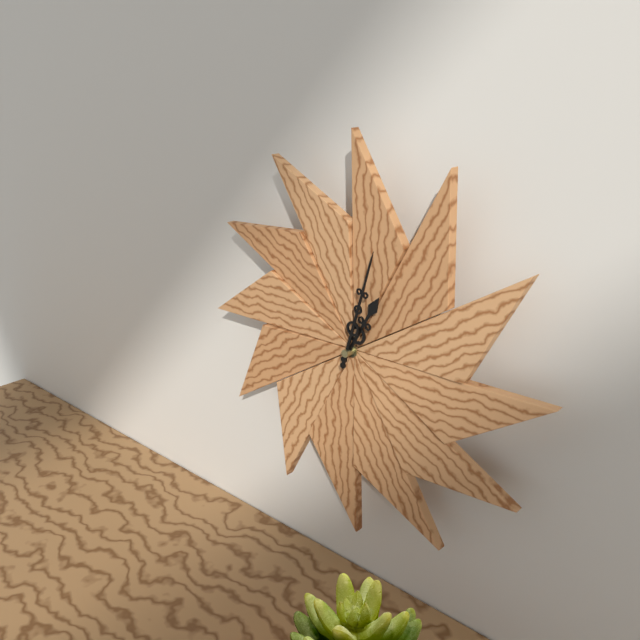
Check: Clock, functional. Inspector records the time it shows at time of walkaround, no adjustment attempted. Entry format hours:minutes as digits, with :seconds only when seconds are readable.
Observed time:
1:03
